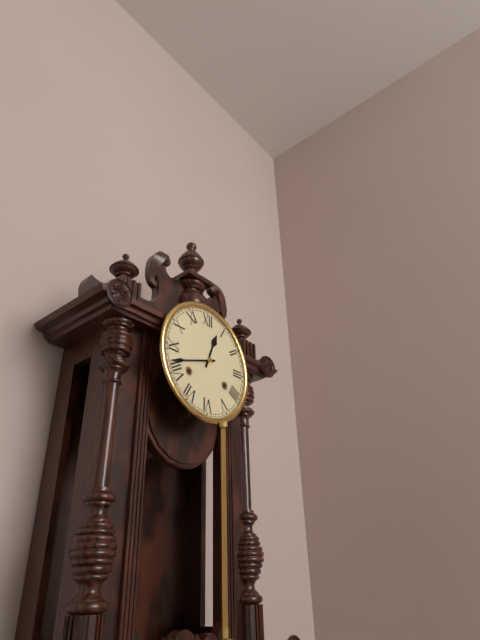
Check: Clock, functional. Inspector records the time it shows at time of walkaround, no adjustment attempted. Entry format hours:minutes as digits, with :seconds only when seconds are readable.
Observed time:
12:42
